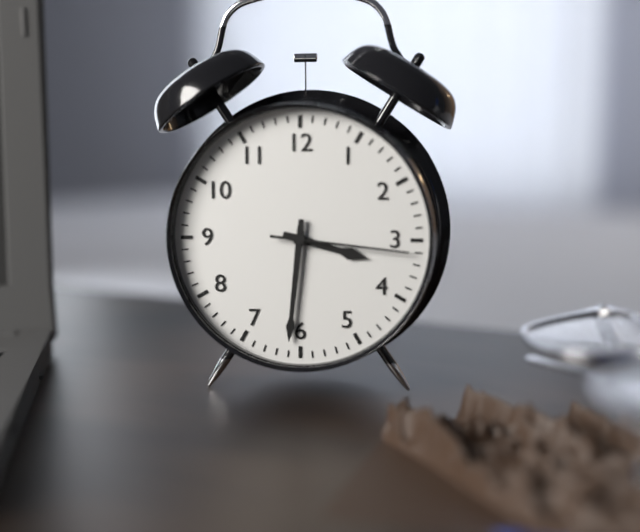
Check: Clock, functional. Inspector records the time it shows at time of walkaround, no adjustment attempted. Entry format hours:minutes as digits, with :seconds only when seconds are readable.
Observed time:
3:31:16
